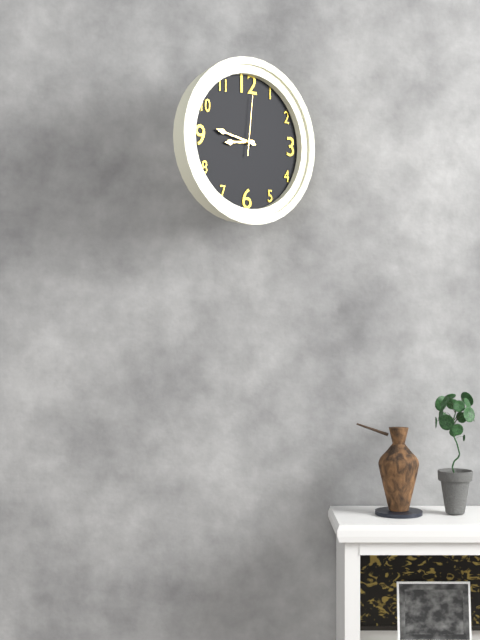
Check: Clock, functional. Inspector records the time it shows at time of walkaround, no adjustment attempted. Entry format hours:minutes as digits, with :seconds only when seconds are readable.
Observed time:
8:47:01
